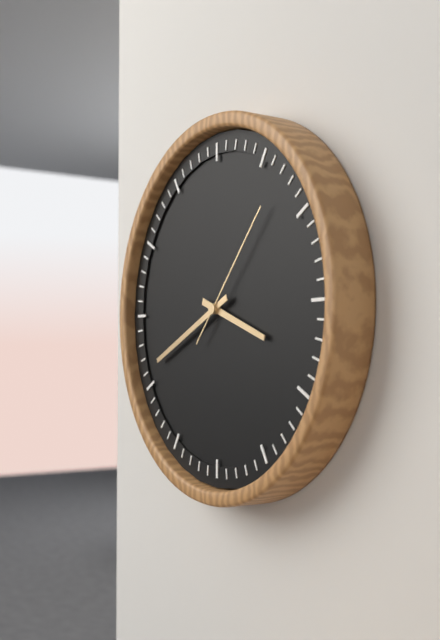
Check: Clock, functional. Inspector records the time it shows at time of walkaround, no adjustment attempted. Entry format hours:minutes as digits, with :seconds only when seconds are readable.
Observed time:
3:41:07
